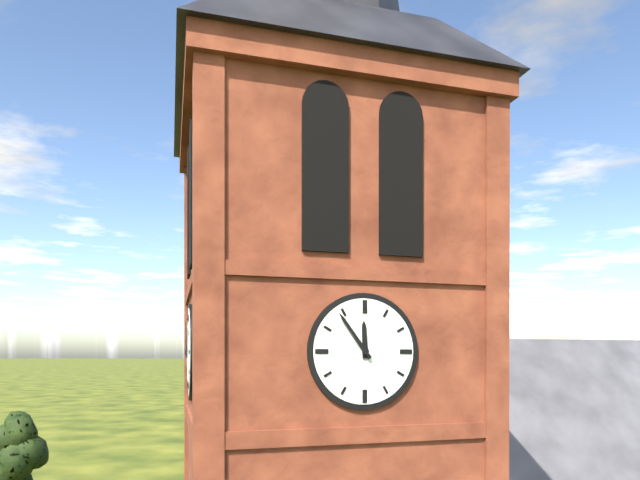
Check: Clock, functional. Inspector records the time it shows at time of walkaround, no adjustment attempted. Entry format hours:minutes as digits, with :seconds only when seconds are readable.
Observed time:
11:54
